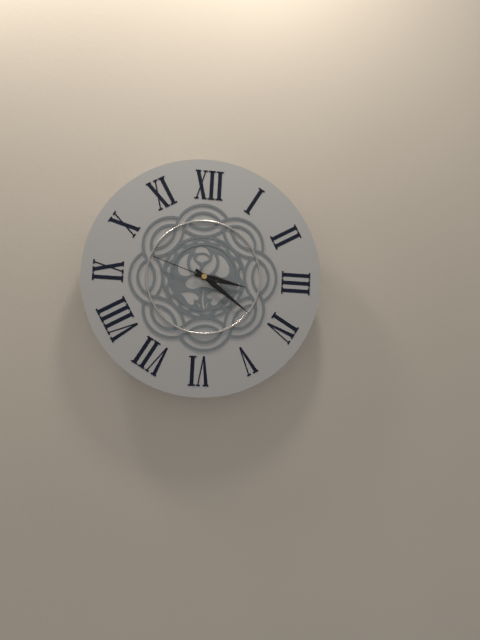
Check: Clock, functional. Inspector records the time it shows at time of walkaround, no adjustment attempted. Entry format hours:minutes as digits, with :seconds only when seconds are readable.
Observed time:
3:21:48
